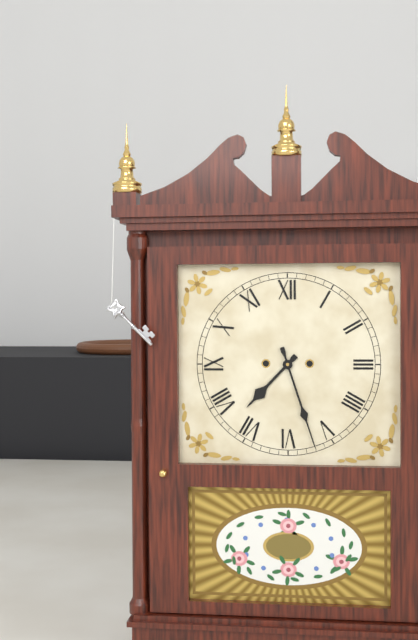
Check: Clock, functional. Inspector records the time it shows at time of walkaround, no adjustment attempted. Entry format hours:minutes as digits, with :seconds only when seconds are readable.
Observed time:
7:27
